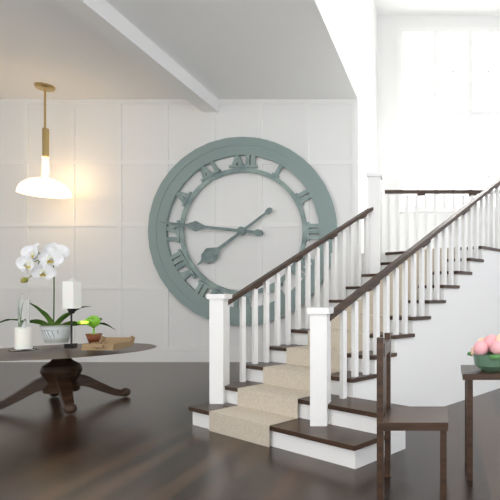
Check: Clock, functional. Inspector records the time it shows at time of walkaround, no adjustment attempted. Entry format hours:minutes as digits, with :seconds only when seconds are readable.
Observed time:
7:46
